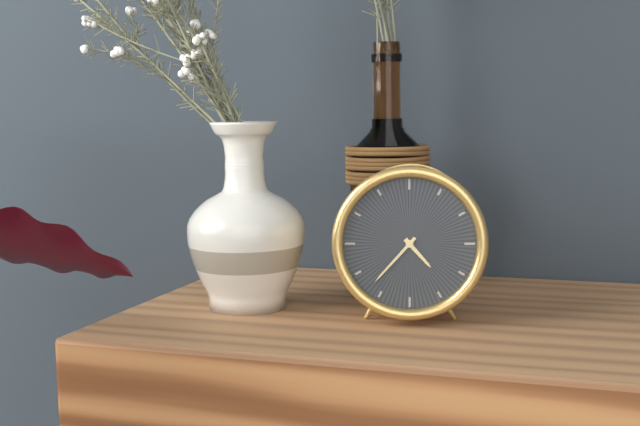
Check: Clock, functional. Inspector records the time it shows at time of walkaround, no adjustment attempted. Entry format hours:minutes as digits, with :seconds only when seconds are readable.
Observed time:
4:37
